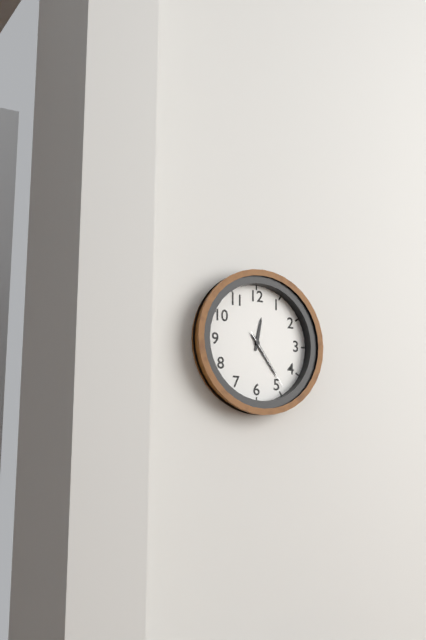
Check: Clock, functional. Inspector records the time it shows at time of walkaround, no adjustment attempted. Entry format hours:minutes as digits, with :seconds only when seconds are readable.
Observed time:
12:24:24
